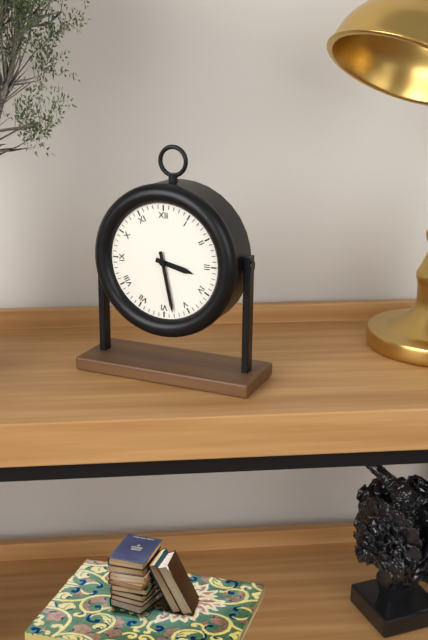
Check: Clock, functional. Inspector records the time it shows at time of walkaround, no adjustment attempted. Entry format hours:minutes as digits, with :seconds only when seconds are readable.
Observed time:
3:28
